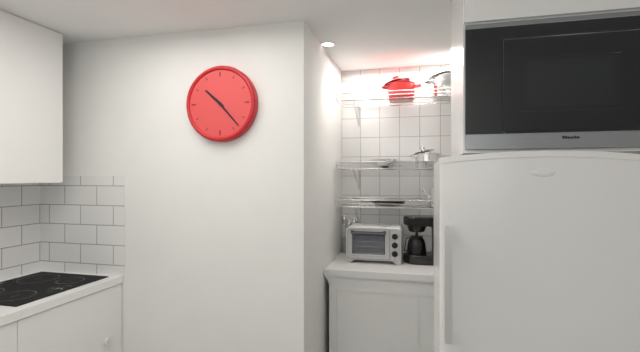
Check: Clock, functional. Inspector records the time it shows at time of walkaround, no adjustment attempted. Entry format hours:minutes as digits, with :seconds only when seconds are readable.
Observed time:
10:23
